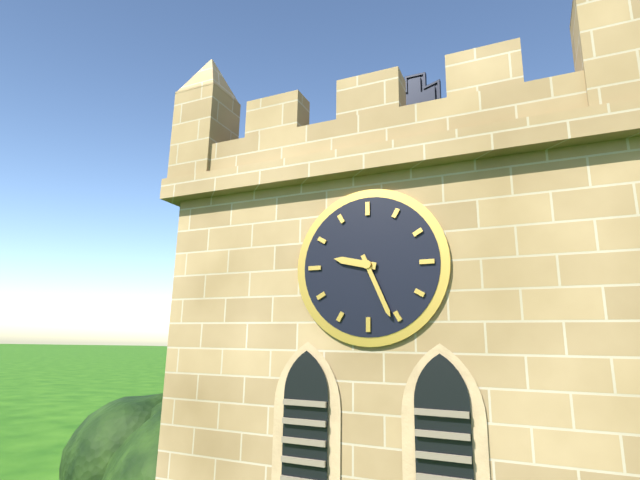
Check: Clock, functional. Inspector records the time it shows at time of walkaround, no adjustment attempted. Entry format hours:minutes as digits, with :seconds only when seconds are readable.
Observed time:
9:26
